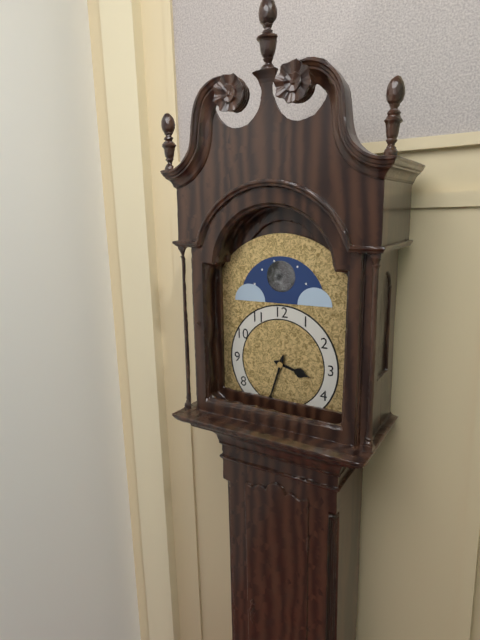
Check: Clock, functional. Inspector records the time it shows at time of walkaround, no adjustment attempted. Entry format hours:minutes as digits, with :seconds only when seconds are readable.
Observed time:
3:33
